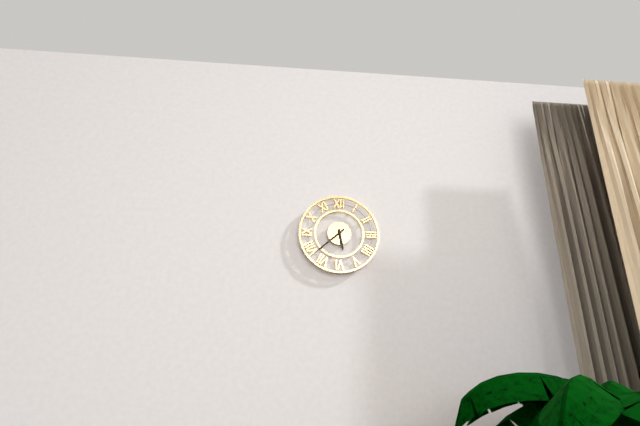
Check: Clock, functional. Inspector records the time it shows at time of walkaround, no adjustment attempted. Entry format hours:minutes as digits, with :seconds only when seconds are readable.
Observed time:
5:38
